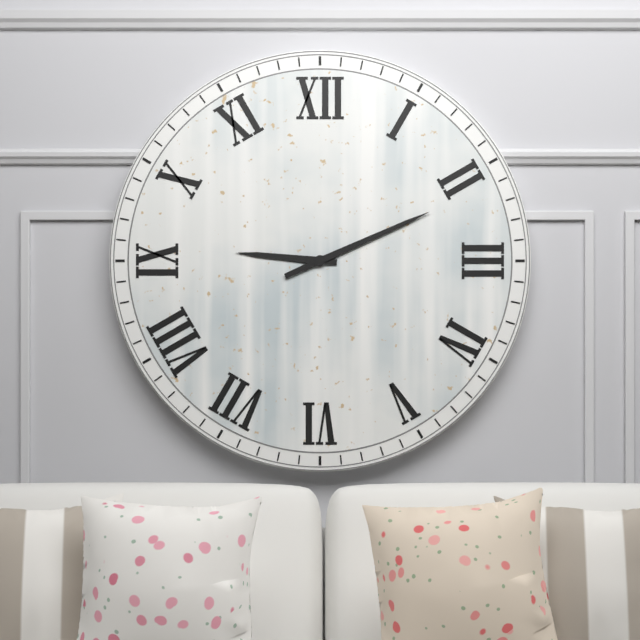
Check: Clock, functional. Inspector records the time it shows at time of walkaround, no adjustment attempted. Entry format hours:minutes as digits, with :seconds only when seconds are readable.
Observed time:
9:11
